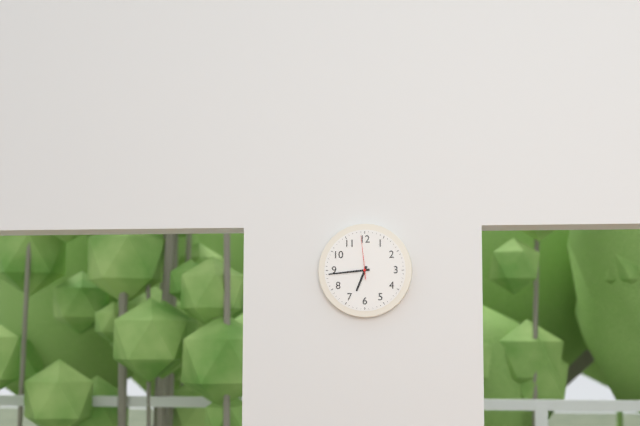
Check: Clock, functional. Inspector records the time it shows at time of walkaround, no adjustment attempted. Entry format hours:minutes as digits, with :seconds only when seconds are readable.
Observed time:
6:44
